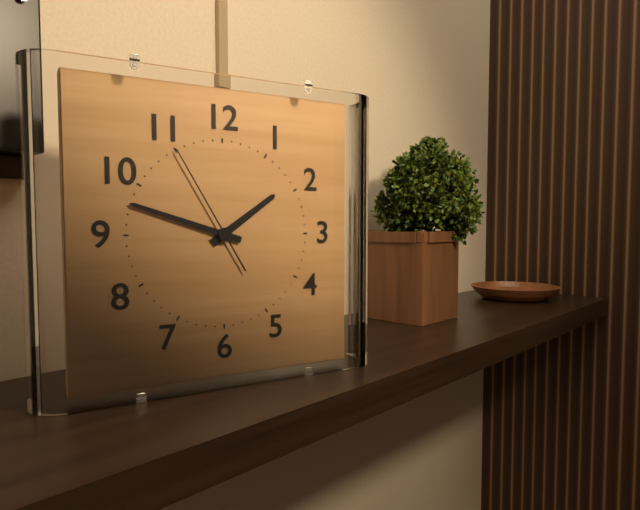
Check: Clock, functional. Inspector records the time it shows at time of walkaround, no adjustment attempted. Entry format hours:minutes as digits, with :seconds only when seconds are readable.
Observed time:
1:48:55
